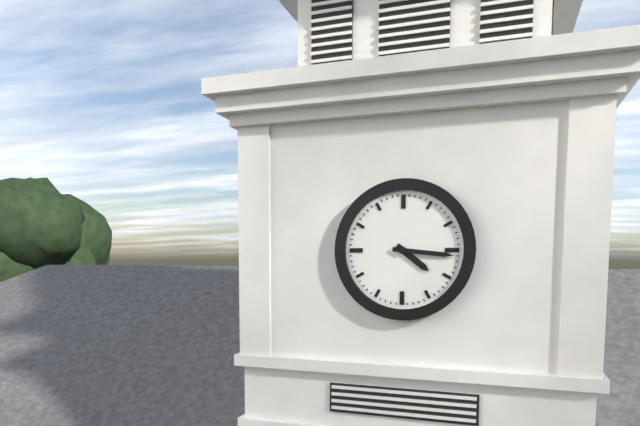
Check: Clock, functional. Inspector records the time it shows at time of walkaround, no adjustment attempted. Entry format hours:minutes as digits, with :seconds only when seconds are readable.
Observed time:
4:16
